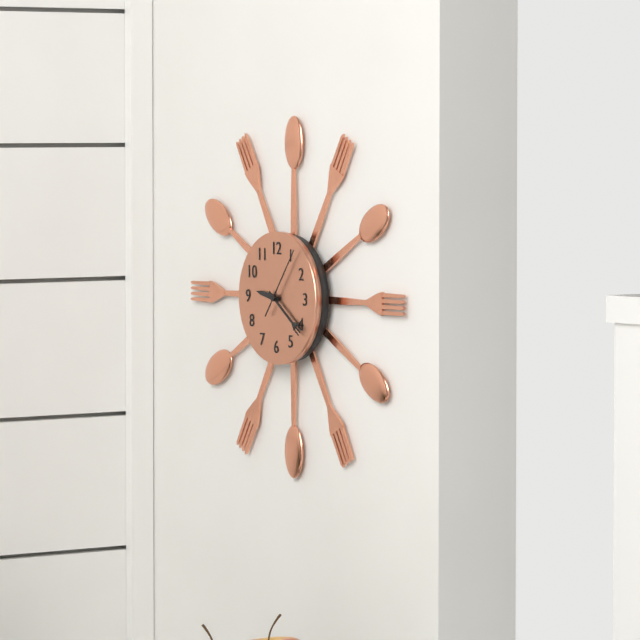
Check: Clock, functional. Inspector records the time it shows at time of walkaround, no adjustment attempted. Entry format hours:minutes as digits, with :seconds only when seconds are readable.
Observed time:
9:21:06
